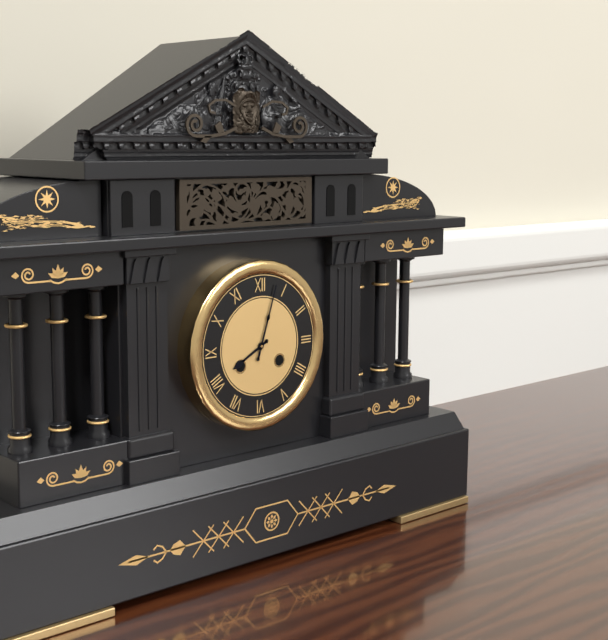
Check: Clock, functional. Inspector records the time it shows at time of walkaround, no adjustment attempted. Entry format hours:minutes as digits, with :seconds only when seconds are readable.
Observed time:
8:03
